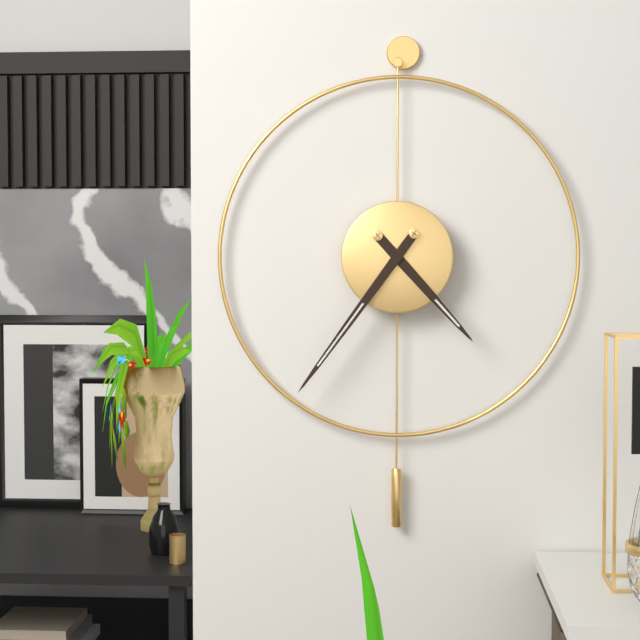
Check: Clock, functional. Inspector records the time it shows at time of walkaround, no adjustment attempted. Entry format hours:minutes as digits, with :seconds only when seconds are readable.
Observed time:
4:36
